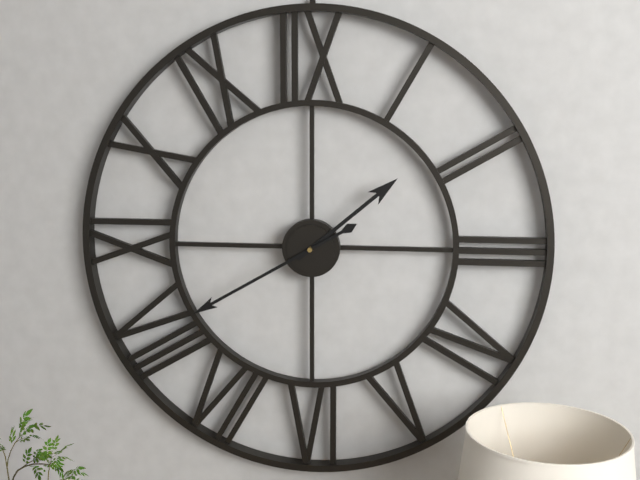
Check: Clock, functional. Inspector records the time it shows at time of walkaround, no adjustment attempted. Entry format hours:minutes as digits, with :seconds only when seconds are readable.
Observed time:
1:40
